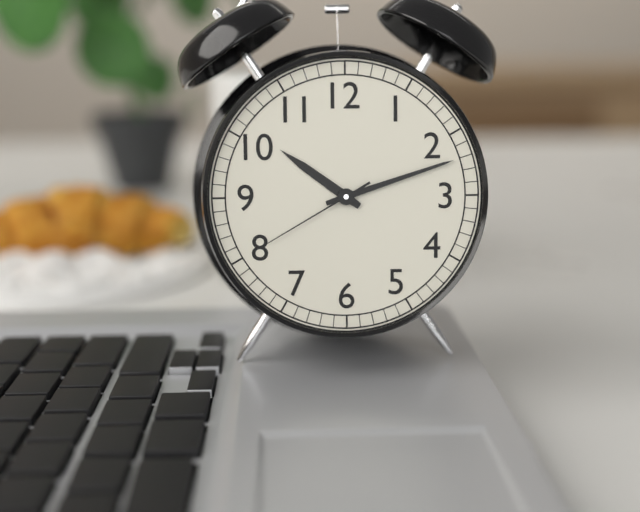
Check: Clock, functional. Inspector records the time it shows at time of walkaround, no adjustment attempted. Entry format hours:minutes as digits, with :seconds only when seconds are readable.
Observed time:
10:12:40
